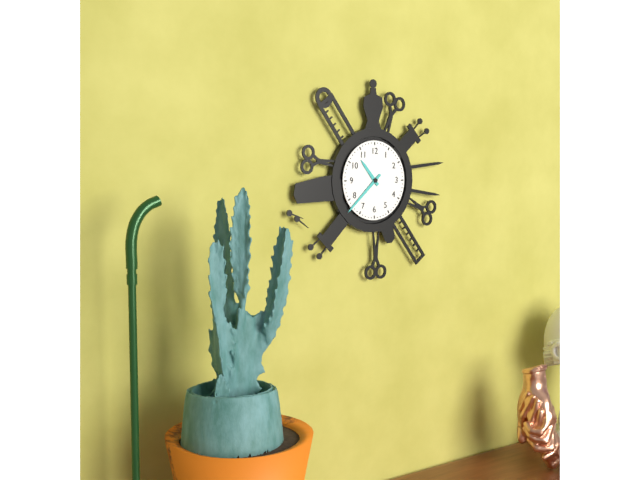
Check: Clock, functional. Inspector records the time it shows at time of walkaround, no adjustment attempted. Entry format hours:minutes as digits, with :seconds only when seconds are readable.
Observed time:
10:38
